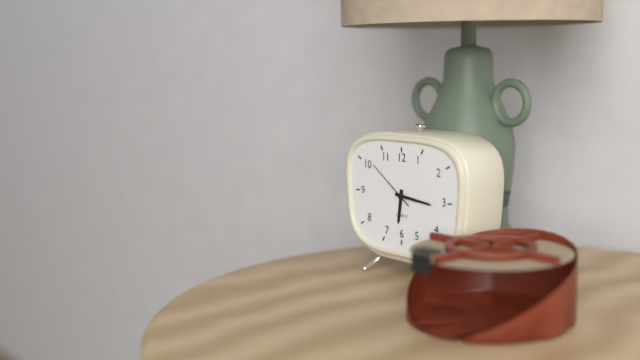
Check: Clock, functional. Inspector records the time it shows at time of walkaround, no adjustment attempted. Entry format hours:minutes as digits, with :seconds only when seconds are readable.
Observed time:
6:16:51
